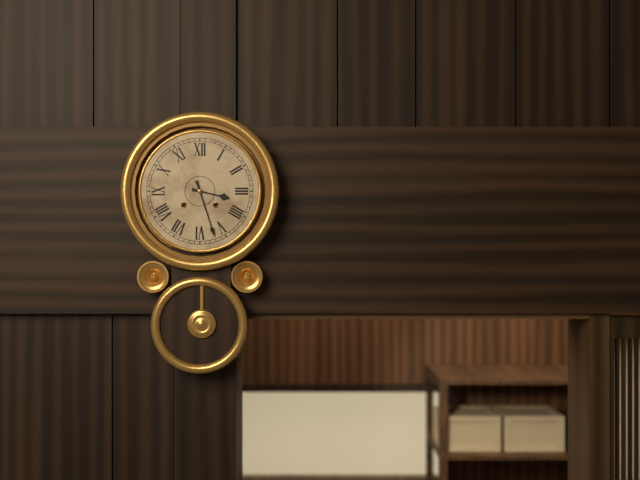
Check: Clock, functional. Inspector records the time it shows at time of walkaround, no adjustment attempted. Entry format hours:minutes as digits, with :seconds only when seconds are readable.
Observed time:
3:27
